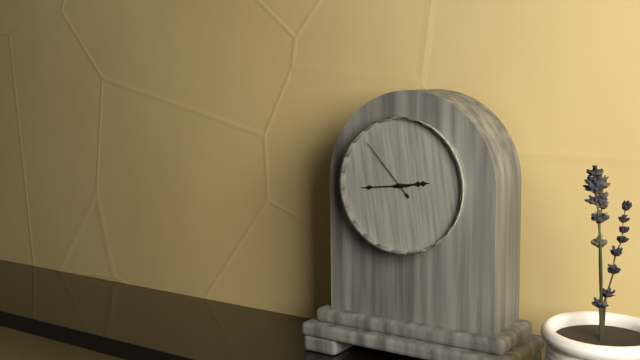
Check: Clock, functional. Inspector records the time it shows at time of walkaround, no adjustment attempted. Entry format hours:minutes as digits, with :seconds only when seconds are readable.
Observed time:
2:44:53
